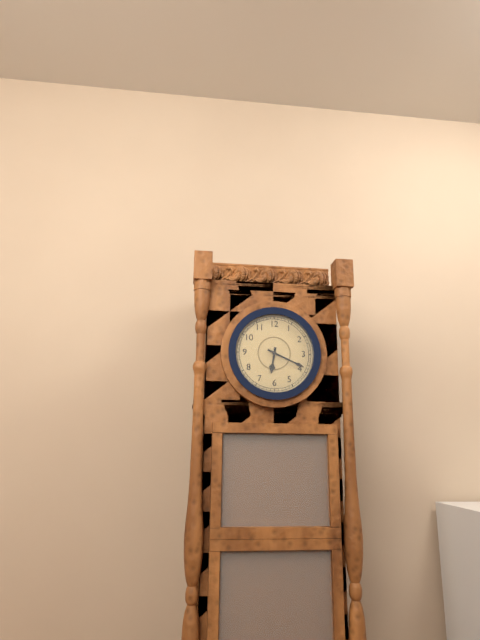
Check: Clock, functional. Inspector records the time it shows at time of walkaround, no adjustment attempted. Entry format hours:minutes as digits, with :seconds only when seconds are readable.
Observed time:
6:19
